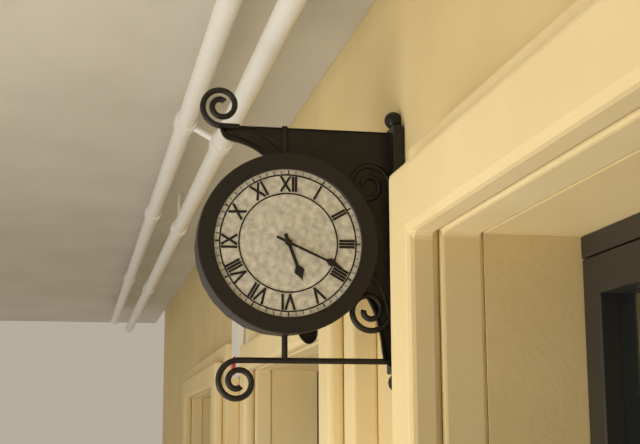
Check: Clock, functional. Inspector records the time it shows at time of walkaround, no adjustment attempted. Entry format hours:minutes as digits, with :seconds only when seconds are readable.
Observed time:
5:19
